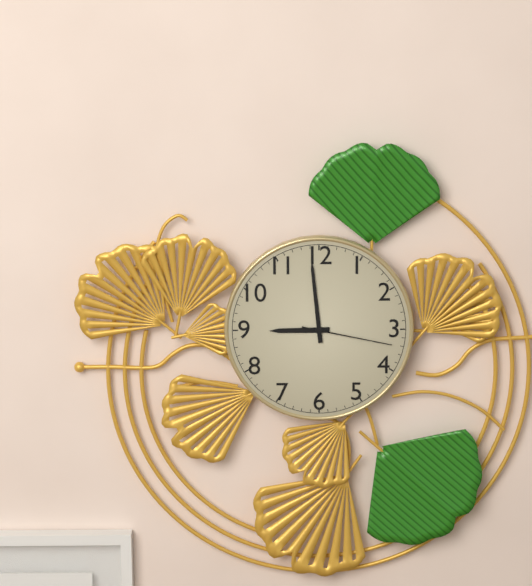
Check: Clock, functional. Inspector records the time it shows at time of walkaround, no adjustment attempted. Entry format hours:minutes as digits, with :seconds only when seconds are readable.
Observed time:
8:59:17
